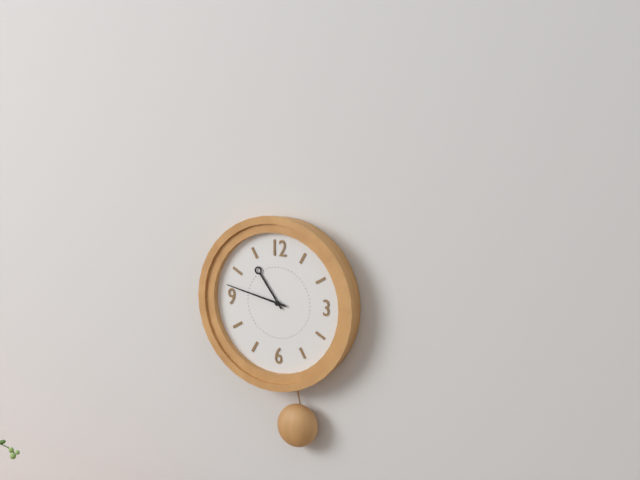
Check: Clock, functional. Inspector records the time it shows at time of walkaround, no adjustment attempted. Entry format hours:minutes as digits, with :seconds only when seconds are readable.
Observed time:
10:47
